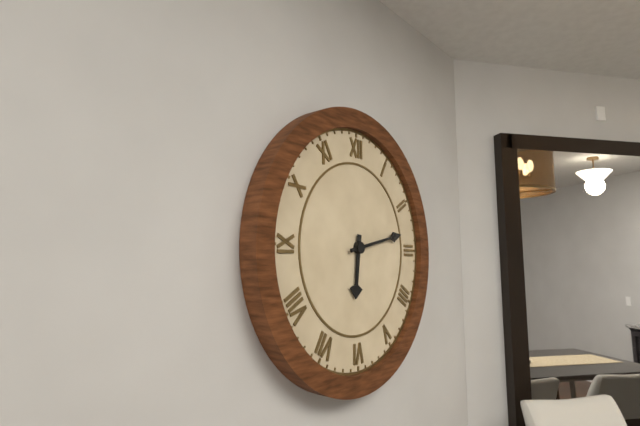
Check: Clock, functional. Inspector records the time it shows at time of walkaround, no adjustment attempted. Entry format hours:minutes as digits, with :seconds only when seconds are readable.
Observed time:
6:13
